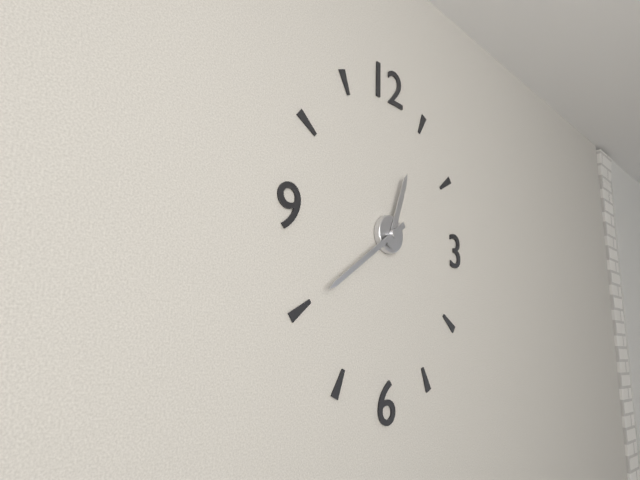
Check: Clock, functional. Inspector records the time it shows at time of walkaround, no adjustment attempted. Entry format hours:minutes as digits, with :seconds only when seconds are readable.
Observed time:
12:39
